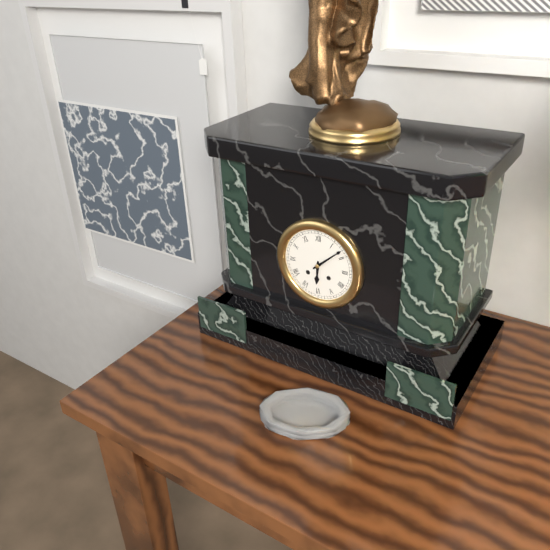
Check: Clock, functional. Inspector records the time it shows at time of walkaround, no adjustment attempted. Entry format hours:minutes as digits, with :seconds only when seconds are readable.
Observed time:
6:08
